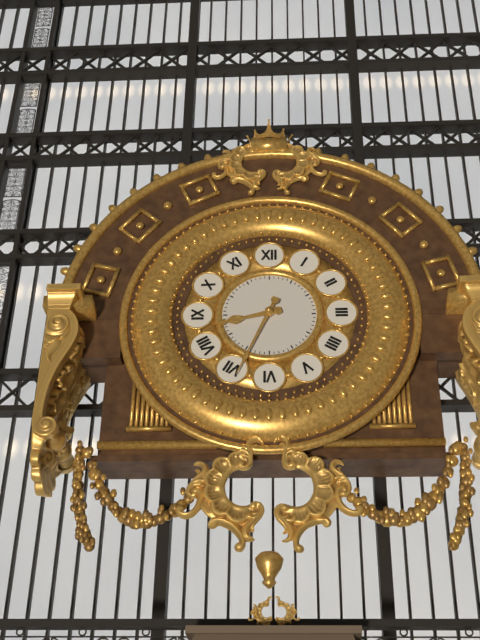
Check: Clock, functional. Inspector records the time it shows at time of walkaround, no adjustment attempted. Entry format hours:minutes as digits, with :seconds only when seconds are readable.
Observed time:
8:34
